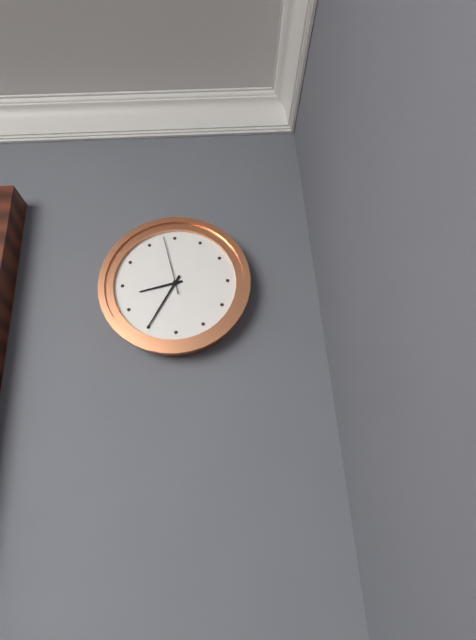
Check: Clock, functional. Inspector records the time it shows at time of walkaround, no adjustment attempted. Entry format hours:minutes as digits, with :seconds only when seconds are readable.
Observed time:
8:35:58
